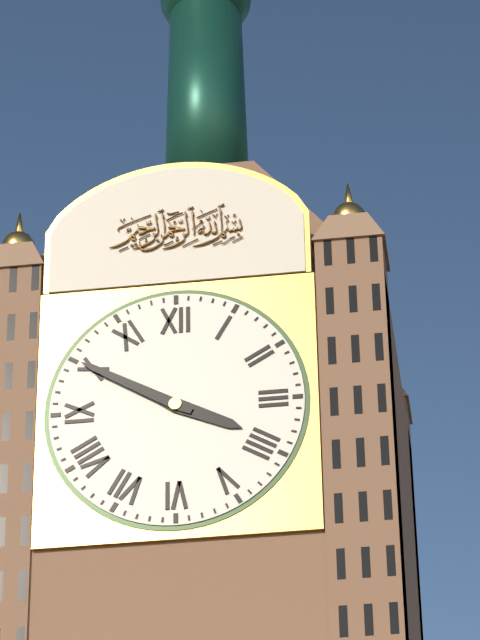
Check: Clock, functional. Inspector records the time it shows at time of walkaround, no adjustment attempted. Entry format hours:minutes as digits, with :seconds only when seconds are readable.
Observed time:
3:50
